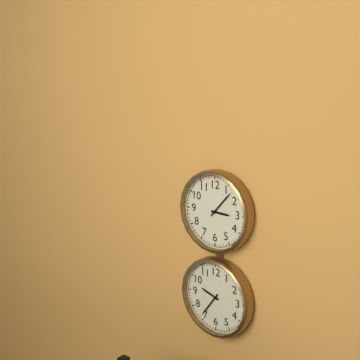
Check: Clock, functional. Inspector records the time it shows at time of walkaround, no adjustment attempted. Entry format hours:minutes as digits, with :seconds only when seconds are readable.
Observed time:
3:07
